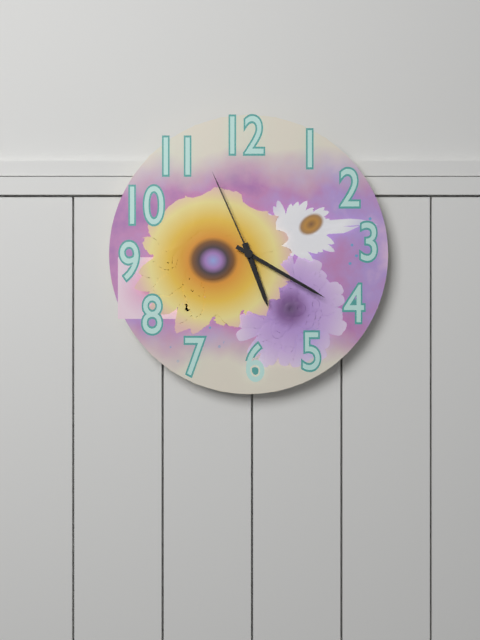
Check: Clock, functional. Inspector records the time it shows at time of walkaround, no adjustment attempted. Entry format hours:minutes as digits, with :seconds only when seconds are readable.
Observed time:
5:20:56
